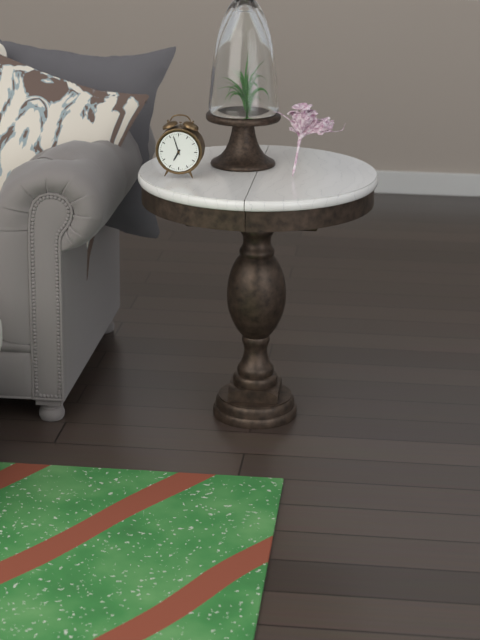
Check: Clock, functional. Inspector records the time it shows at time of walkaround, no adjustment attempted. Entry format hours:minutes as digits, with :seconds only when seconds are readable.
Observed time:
6:57
